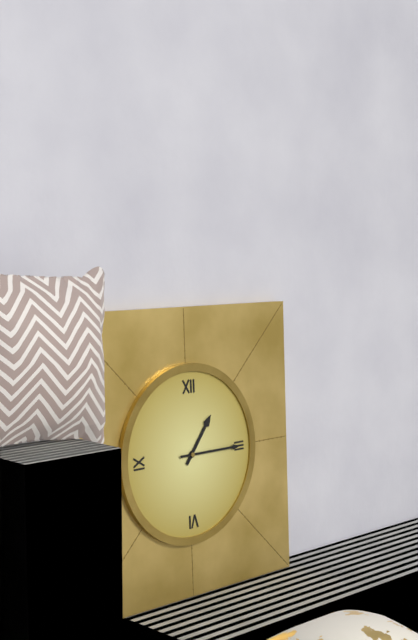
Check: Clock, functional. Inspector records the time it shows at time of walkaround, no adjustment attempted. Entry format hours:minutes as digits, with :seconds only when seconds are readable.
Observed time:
1:15
